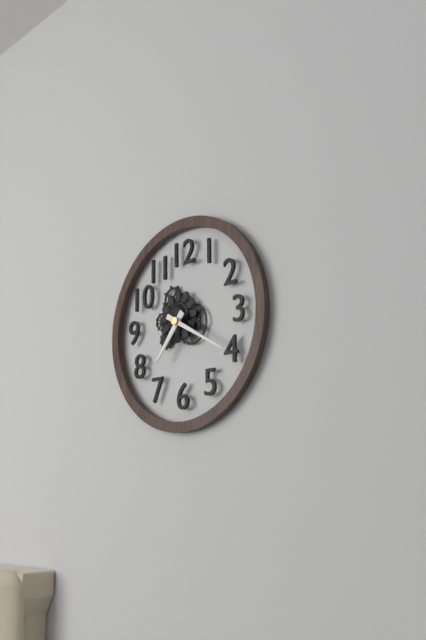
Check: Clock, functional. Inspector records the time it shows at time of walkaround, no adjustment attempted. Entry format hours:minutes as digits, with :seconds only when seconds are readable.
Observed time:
7:20
